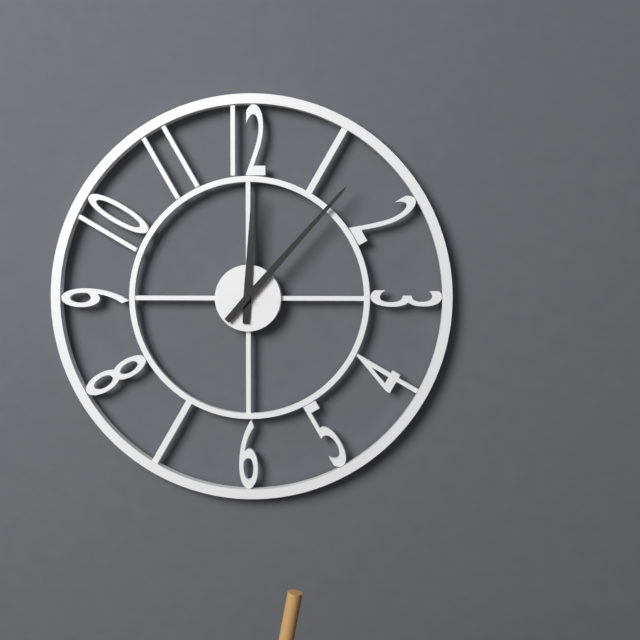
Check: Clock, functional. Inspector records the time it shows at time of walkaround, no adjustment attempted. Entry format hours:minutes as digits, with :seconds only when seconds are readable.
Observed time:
12:07
